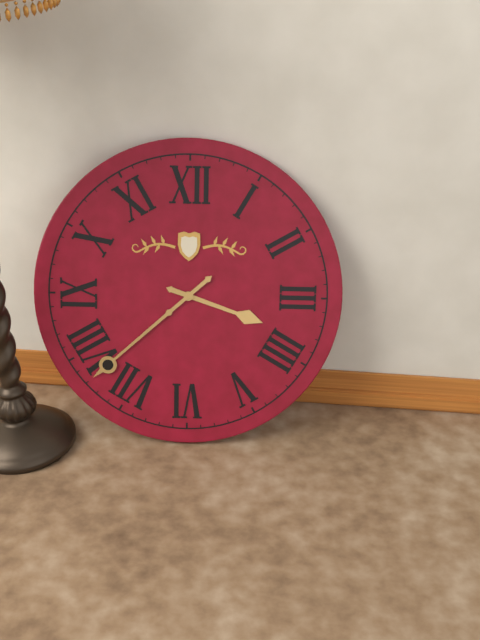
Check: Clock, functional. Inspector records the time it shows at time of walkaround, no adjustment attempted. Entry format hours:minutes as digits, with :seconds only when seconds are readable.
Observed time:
3:38
